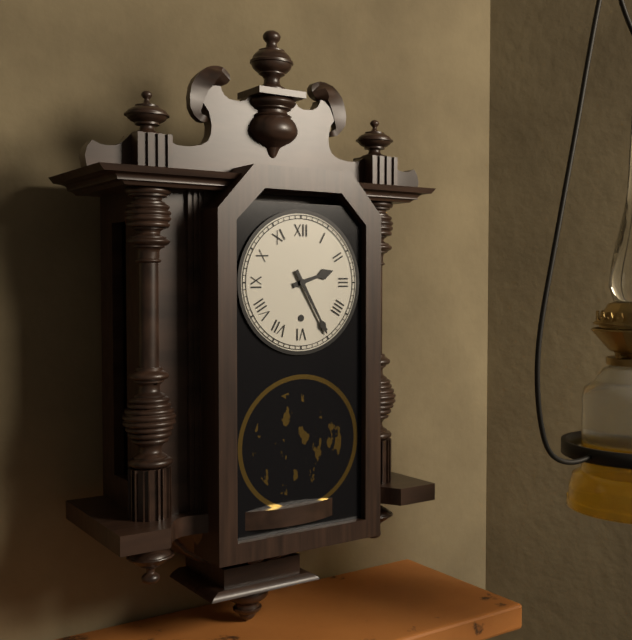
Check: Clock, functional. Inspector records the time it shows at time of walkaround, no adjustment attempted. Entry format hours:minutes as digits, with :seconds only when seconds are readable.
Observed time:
2:25
